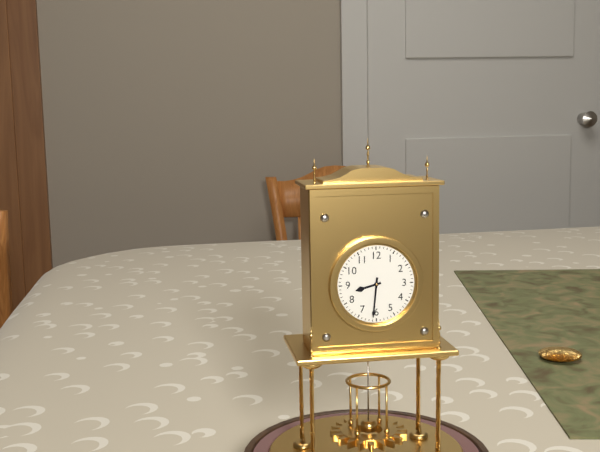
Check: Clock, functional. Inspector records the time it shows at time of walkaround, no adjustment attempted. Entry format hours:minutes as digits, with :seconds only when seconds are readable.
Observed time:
8:31
